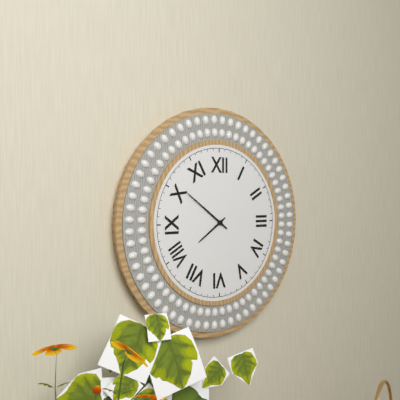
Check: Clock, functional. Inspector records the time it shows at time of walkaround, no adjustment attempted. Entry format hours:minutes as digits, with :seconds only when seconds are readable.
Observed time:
7:51
